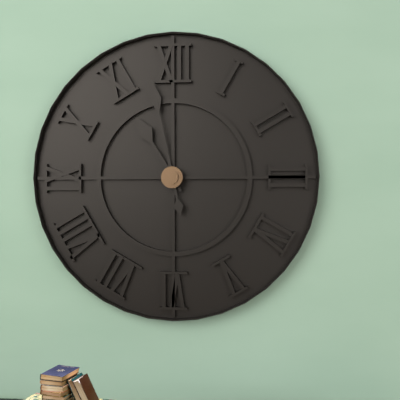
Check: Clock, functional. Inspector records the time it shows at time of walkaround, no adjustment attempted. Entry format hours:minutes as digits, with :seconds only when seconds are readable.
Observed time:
10:58
